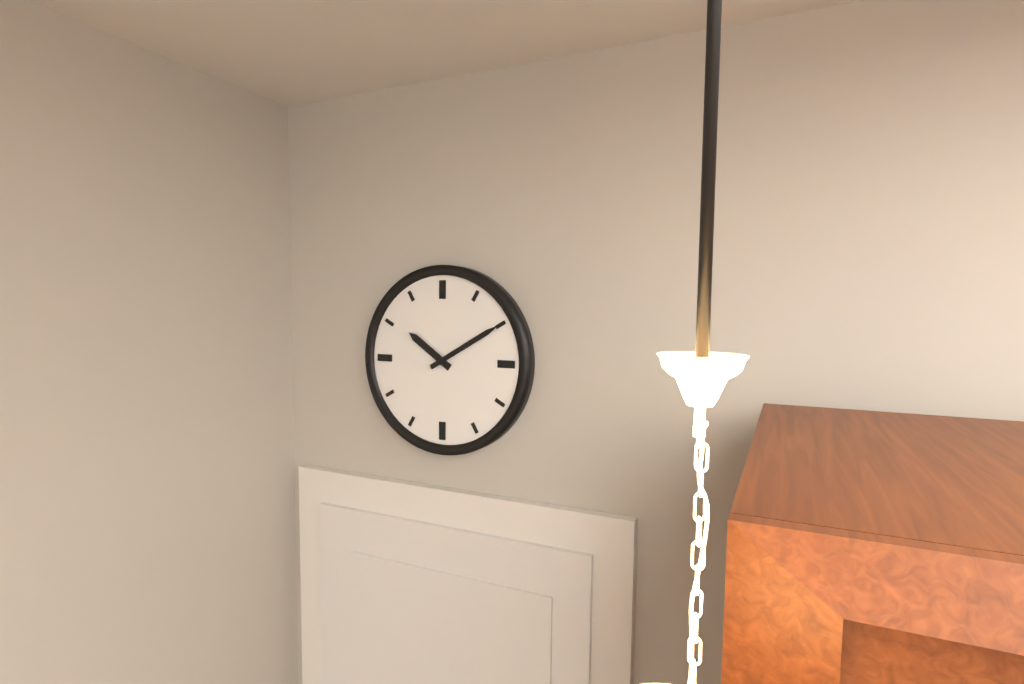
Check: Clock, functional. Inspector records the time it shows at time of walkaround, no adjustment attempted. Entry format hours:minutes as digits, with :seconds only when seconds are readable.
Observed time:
10:10
